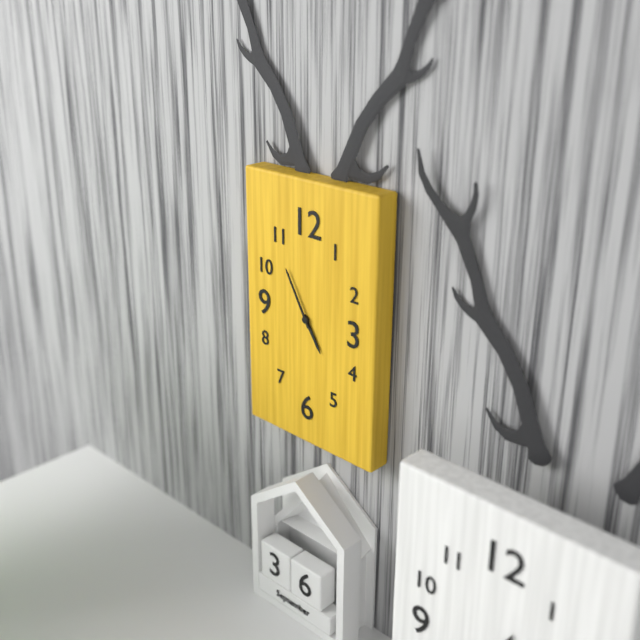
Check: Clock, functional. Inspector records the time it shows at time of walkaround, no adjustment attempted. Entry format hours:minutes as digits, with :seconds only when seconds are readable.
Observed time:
4:55
